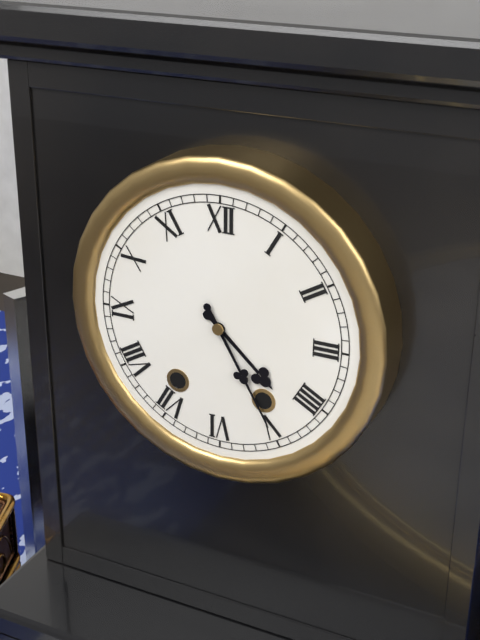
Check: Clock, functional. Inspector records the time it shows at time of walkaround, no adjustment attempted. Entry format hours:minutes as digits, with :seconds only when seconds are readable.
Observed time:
4:25
